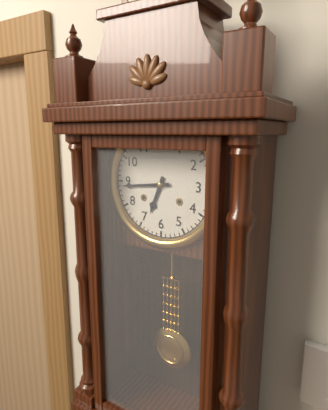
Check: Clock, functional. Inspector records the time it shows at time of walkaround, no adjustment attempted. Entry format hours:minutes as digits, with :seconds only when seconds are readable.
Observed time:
6:44
